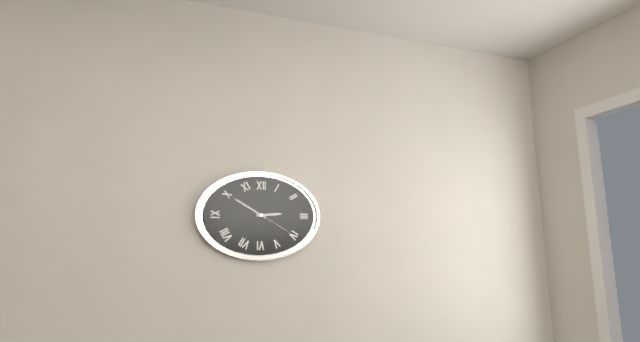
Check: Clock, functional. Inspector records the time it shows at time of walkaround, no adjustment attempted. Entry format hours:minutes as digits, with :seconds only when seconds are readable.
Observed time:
2:50
